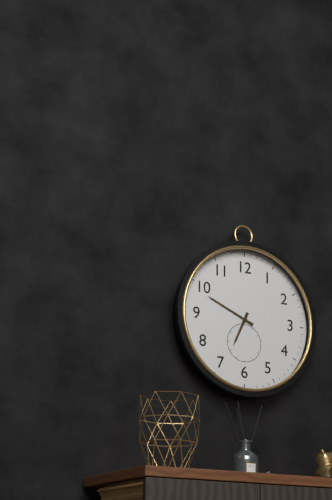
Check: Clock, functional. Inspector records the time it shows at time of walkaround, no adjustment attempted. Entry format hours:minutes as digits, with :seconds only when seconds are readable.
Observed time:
6:49
